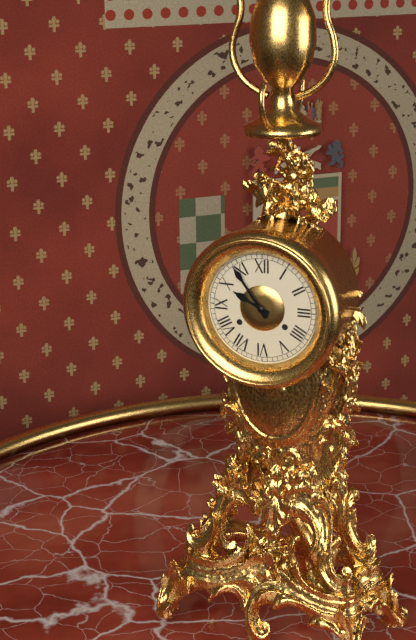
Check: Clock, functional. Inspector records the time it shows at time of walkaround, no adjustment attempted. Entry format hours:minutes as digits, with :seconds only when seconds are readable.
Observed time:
9:54
